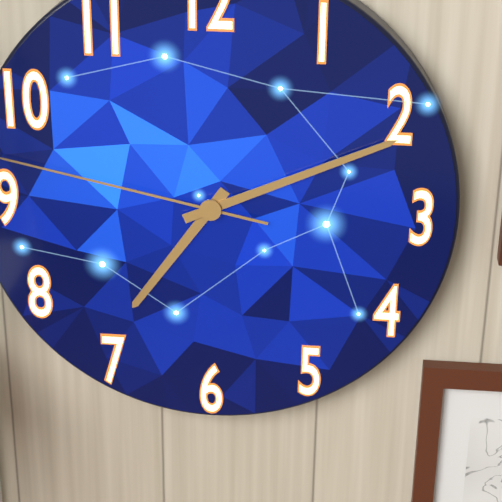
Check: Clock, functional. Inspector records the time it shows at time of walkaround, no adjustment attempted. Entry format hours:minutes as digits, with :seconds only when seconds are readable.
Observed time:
7:11
